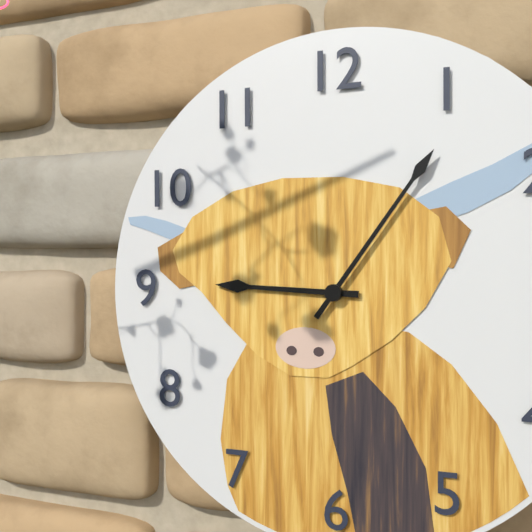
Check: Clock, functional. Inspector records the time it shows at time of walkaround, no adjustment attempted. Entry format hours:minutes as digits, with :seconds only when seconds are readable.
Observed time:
9:06
